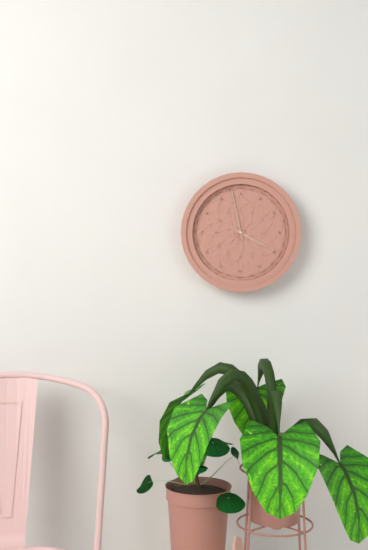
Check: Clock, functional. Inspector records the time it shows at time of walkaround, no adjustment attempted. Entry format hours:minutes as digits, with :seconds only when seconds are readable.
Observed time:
3:58
